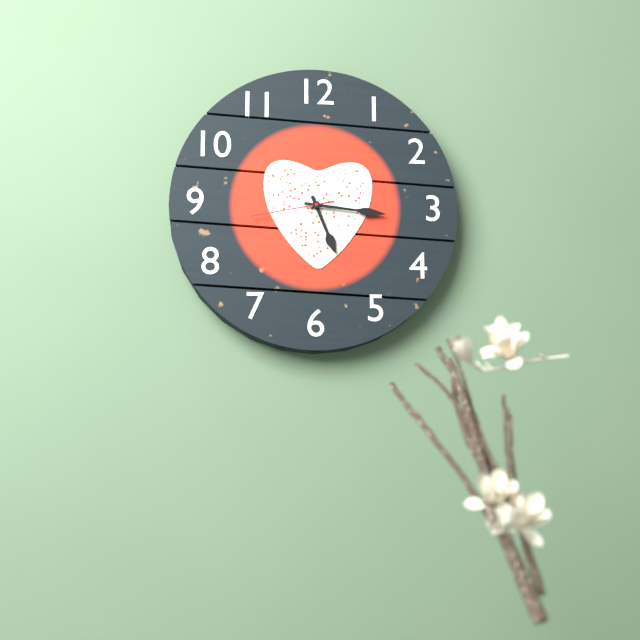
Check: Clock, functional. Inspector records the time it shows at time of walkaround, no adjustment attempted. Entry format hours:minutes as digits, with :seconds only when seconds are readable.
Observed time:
5:16:43
